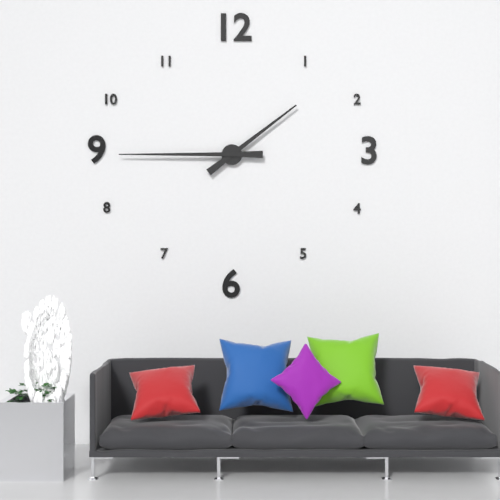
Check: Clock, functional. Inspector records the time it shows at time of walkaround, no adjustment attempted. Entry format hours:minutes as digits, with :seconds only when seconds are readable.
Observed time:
1:45
